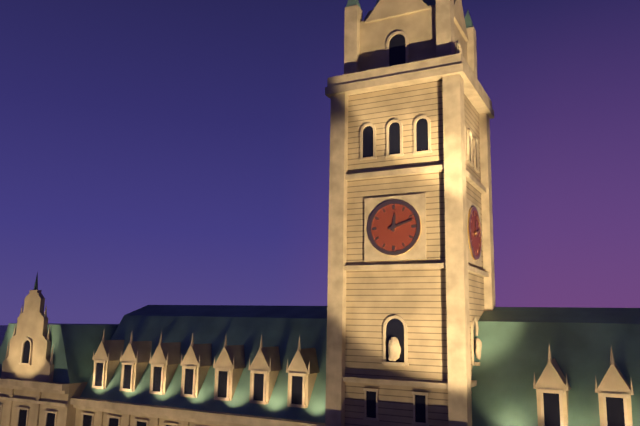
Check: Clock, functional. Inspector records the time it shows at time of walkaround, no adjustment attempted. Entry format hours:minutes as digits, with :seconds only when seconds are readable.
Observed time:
12:12
